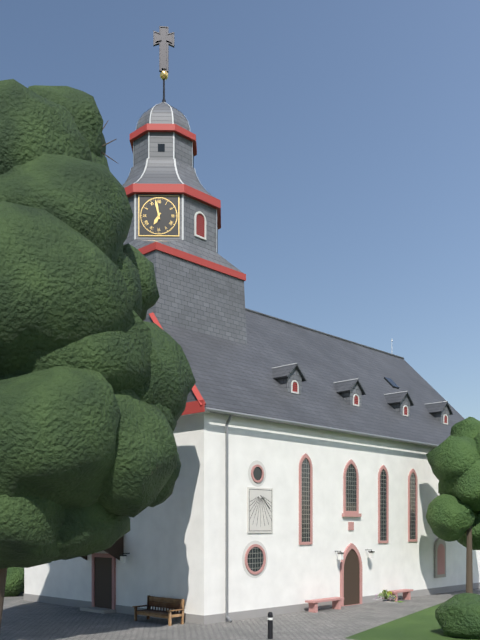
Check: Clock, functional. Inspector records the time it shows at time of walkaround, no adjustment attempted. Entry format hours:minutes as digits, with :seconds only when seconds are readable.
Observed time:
6:58
